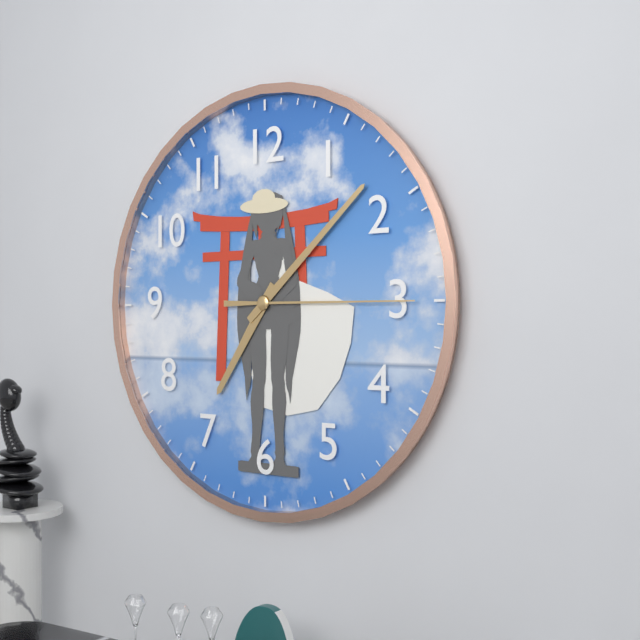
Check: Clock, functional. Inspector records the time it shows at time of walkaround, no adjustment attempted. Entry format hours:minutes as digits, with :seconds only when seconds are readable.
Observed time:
7:08:15
